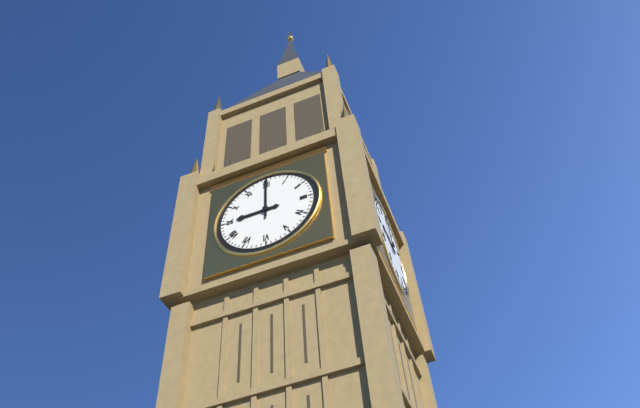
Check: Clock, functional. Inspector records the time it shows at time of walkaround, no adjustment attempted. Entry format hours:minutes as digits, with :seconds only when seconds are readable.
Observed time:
9:00
